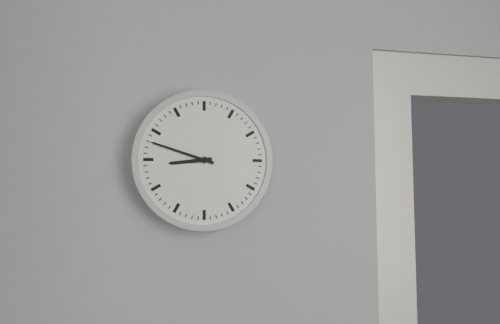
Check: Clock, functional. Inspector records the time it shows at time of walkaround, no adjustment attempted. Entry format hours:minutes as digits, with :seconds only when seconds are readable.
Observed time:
8:48
